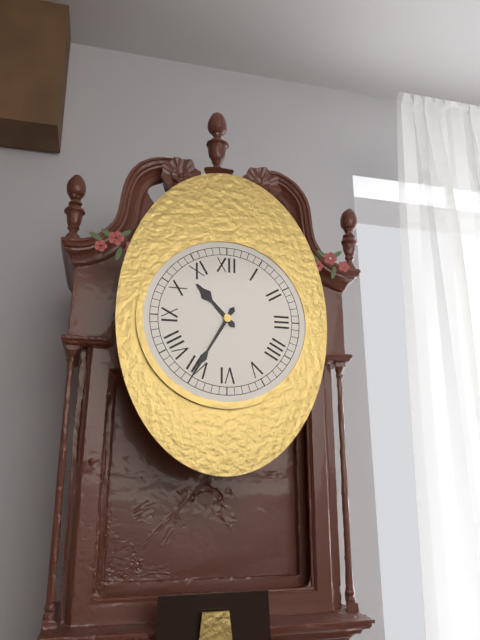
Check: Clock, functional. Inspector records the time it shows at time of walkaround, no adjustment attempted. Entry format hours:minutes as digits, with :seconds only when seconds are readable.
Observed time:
10:35
